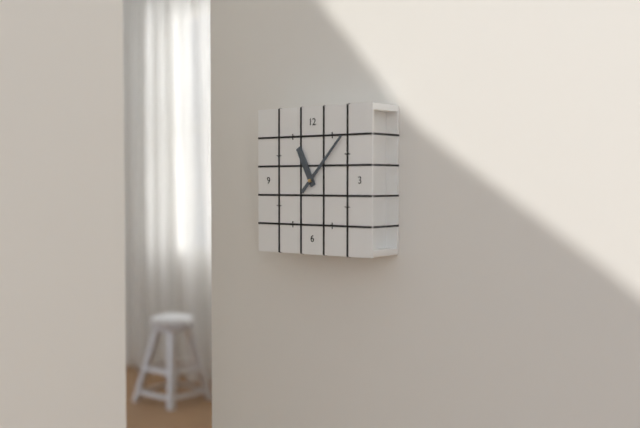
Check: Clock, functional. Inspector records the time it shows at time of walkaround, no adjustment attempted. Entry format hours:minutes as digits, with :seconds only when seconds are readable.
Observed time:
11:07
